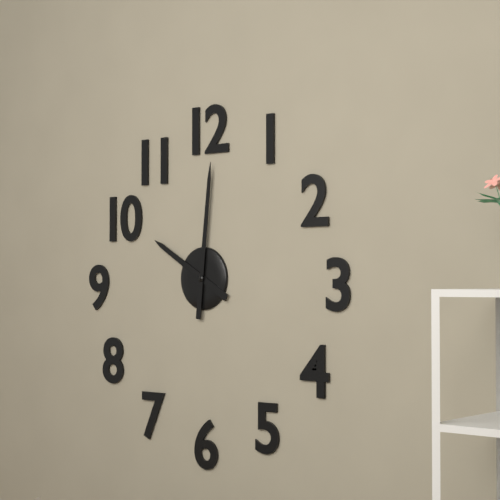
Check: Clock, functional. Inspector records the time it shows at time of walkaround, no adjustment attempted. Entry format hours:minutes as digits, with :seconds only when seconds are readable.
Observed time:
10:01
